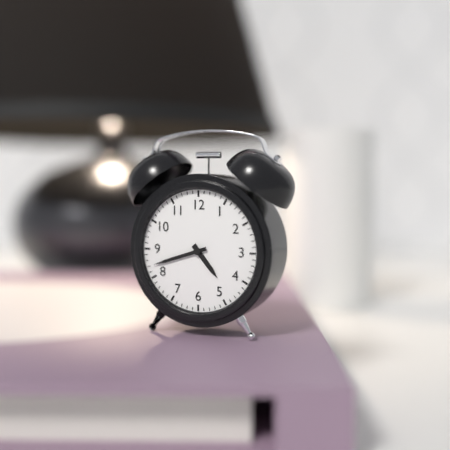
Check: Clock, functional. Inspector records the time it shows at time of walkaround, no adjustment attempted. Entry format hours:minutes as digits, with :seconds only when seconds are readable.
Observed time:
4:42
